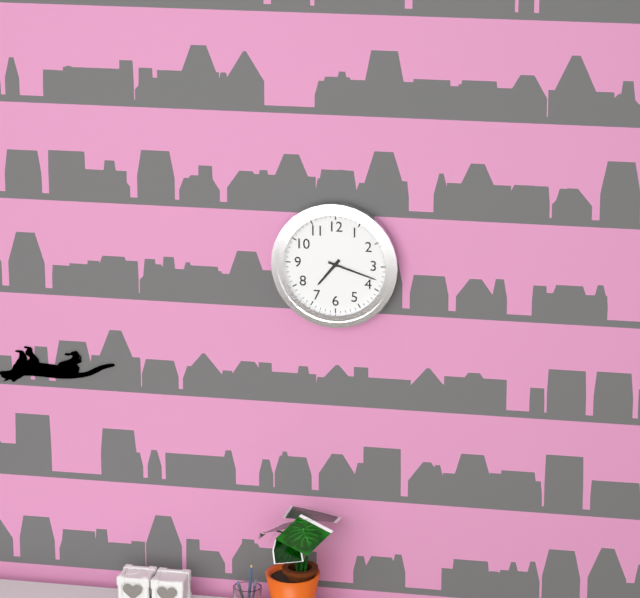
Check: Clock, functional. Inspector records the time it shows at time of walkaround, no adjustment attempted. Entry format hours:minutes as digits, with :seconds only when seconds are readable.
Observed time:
7:18
